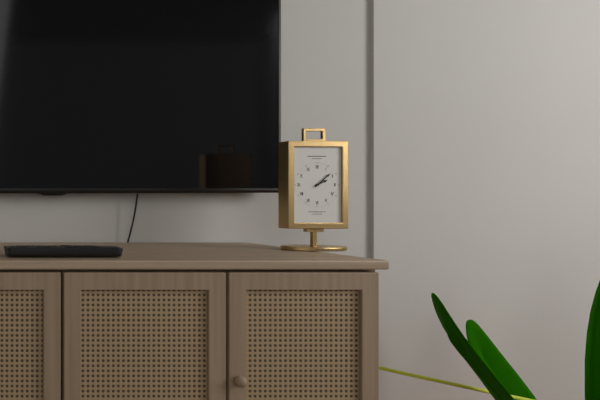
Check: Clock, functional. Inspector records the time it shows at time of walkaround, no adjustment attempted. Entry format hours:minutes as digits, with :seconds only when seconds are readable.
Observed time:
2:08
